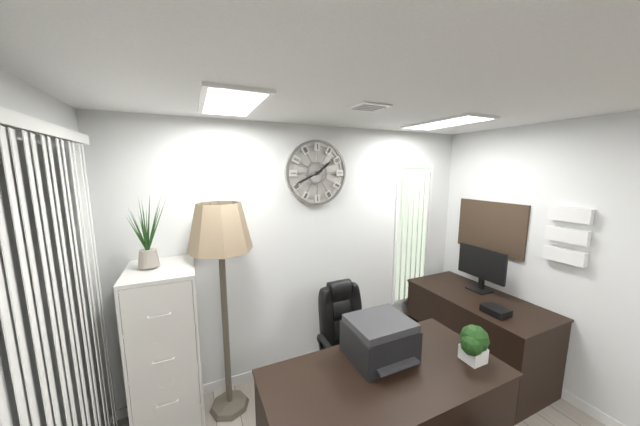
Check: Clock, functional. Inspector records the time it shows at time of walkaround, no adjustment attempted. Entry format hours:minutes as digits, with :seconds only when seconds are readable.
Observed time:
1:41
